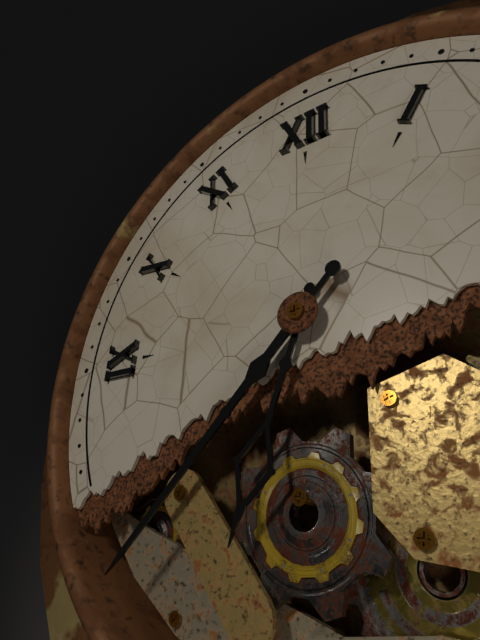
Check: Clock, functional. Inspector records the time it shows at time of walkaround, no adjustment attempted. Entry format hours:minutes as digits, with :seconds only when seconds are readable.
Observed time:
6:37
